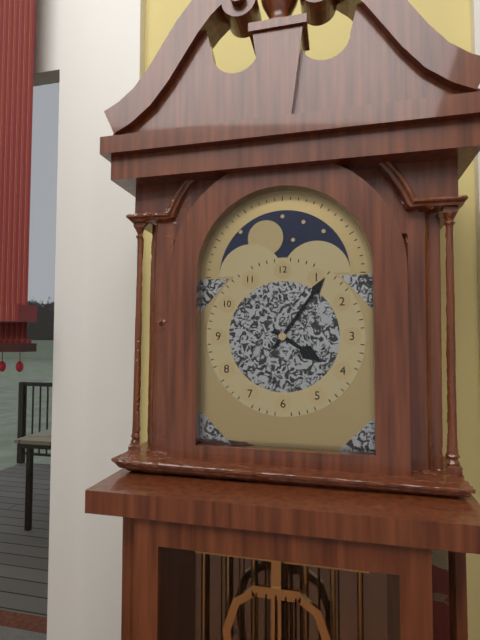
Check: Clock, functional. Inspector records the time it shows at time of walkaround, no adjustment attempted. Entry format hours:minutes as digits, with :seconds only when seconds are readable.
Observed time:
4:06
